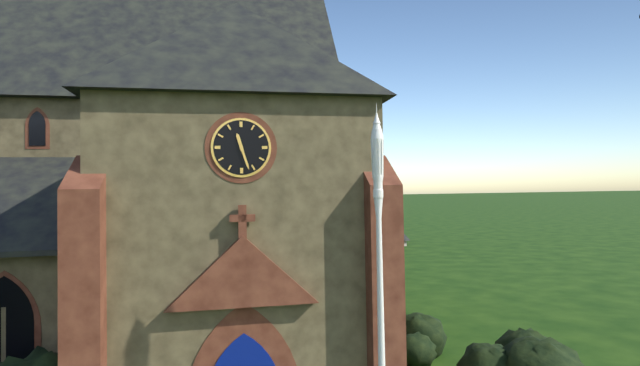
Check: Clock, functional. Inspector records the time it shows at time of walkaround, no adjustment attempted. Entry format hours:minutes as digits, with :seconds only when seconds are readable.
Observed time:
11:27
